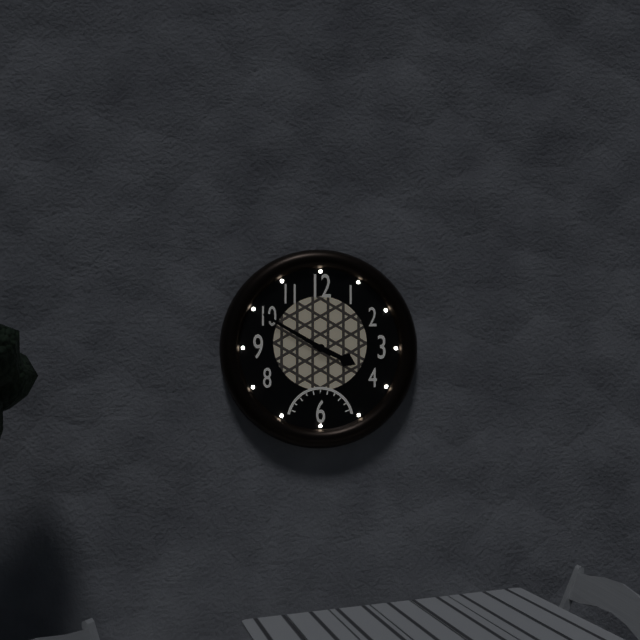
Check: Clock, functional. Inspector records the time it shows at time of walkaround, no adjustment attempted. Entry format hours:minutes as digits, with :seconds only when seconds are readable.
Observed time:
3:50
